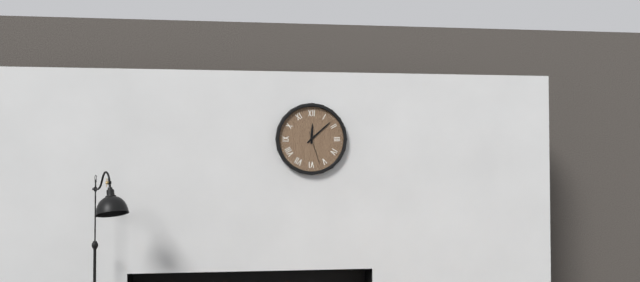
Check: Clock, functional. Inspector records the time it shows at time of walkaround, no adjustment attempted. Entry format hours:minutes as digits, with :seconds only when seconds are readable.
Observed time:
12:08
